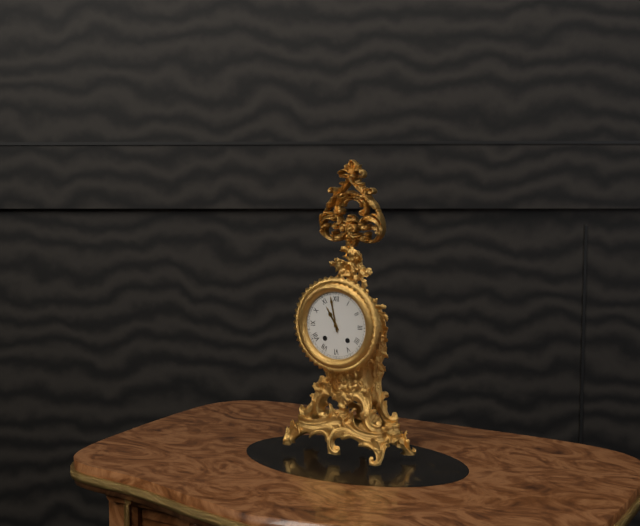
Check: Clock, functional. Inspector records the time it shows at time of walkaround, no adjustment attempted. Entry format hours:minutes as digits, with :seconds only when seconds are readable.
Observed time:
10:58
